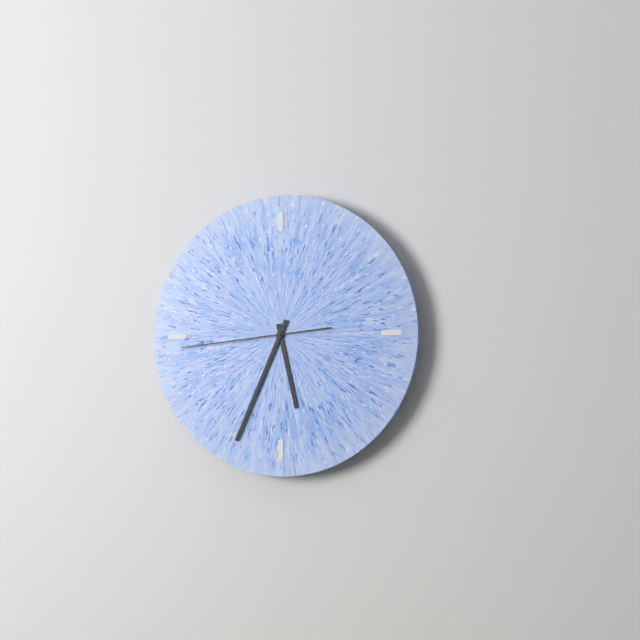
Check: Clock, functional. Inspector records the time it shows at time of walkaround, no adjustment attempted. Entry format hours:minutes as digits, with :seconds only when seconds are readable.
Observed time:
5:34:44
